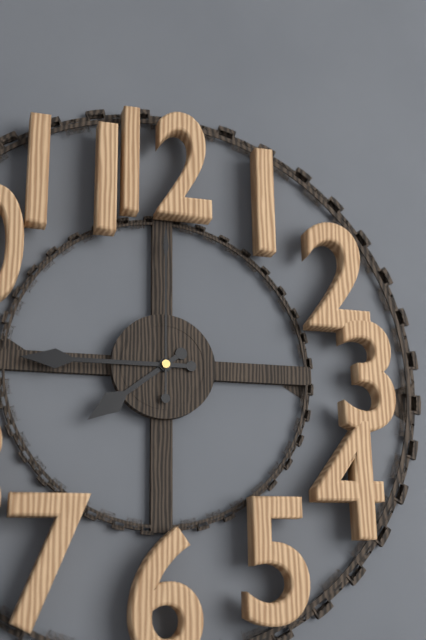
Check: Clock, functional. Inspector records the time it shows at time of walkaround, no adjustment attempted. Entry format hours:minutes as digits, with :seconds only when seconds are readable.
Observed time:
7:45:00
